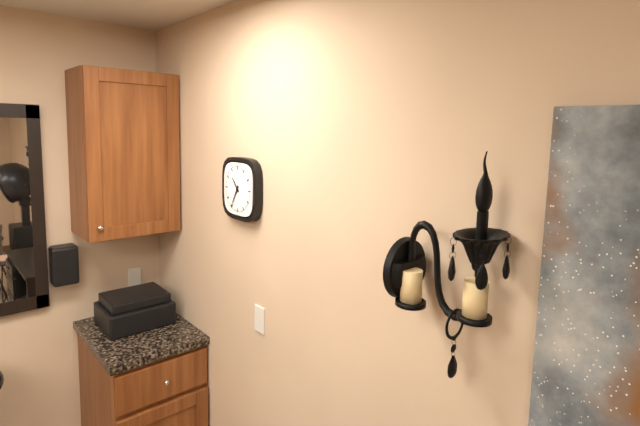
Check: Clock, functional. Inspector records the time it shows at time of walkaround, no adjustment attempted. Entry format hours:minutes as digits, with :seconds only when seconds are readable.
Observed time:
10:35
